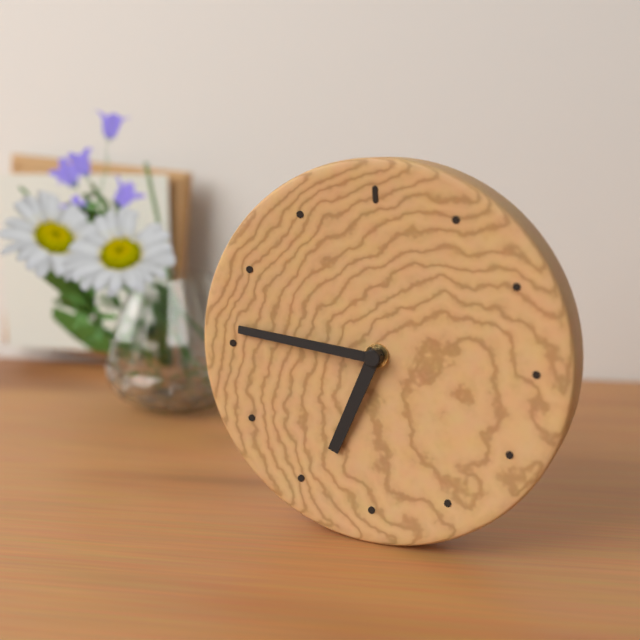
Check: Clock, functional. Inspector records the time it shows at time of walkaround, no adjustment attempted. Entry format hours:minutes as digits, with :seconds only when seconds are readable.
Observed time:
6:46
